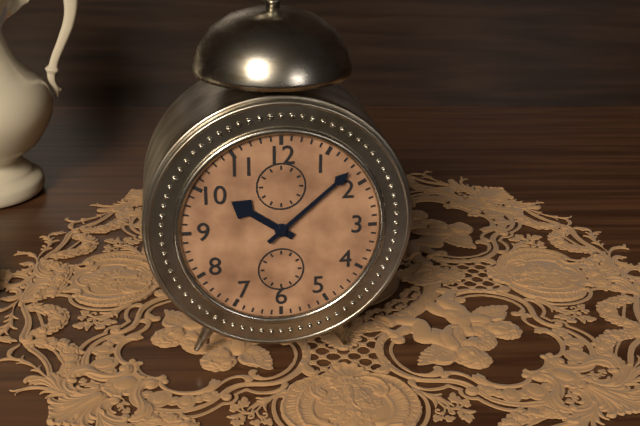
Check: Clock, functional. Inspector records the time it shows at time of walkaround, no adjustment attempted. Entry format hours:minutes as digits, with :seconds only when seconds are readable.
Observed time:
10:08
